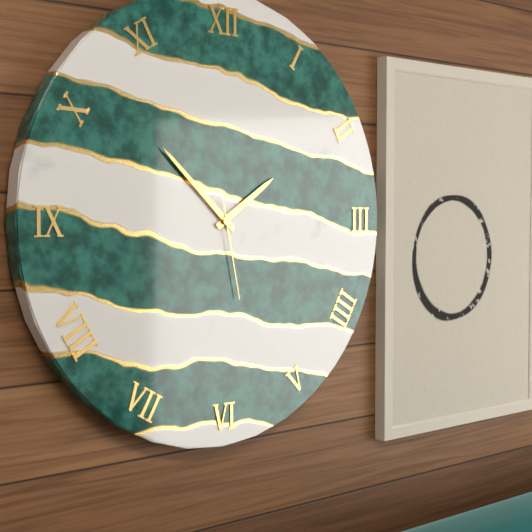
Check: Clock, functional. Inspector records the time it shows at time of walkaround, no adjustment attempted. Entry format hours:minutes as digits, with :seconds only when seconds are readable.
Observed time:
1:52:28
